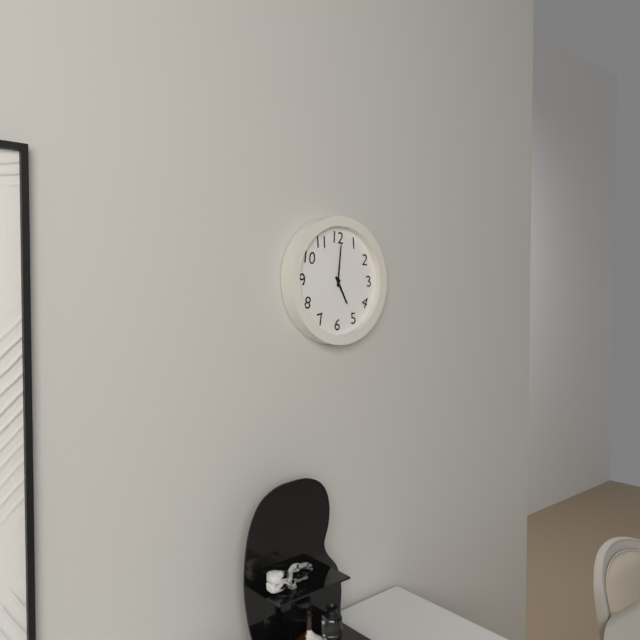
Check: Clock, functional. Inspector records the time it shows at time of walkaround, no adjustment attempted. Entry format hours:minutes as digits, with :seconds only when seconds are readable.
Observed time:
5:01
